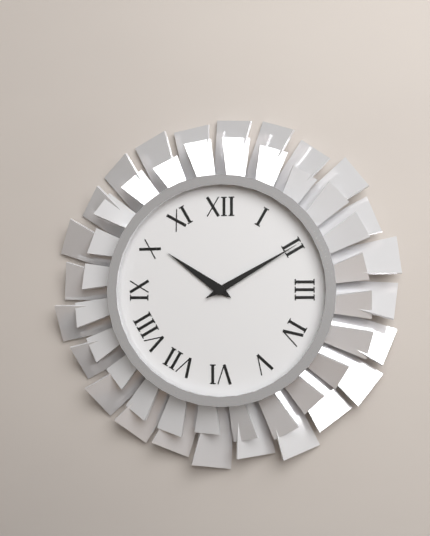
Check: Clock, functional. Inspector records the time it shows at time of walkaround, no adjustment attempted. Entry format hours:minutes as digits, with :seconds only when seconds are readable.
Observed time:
10:10
